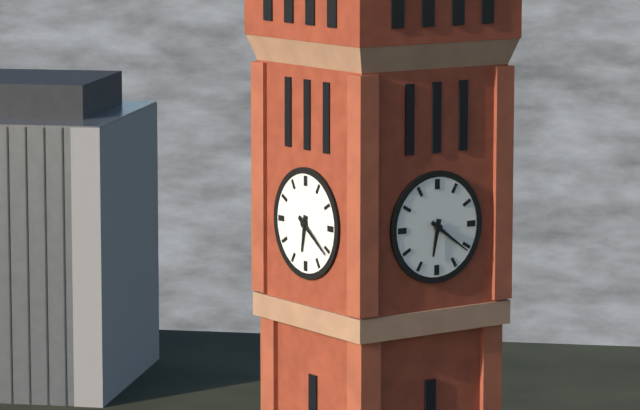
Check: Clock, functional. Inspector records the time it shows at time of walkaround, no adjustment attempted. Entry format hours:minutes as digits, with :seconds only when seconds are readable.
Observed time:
6:21
